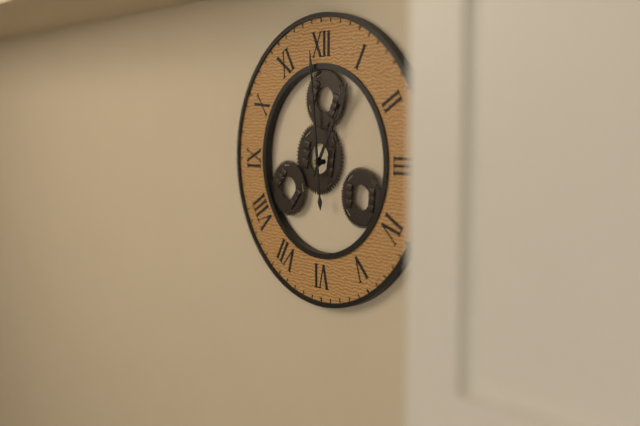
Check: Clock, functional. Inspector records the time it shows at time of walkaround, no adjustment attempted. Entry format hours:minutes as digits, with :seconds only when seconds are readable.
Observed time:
12:59
